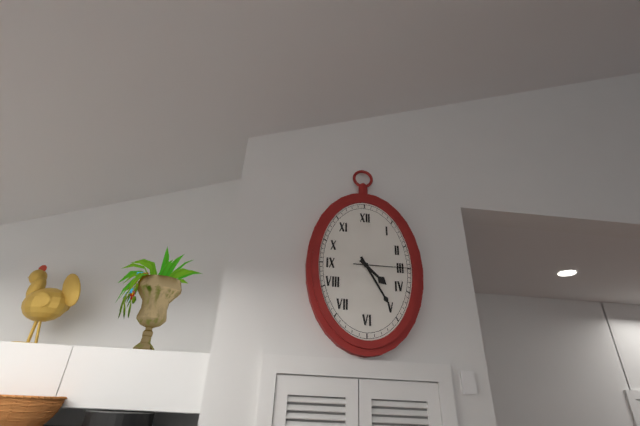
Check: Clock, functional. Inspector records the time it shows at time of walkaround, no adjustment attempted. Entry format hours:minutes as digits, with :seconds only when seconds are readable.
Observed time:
4:25:15
